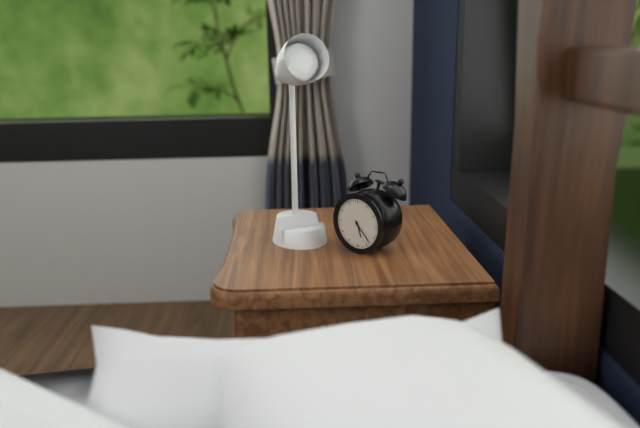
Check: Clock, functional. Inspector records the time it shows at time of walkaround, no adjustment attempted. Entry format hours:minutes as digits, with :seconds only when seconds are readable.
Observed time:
5:23
